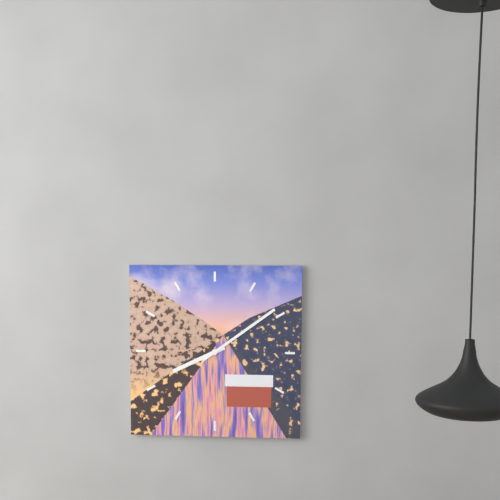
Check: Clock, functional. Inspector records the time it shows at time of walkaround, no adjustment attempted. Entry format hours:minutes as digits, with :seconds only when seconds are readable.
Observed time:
8:09
